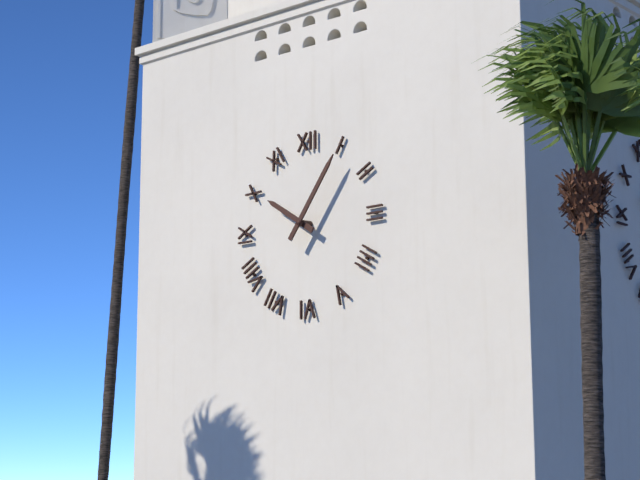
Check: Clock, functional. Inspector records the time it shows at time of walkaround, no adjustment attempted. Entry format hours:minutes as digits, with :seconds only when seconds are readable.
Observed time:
10:06
